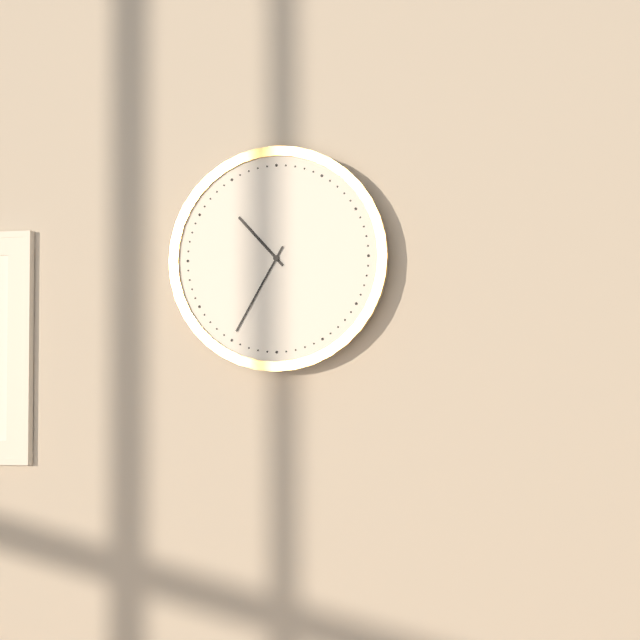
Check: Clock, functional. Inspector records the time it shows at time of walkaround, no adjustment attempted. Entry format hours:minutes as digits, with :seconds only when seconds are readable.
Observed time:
10:35
